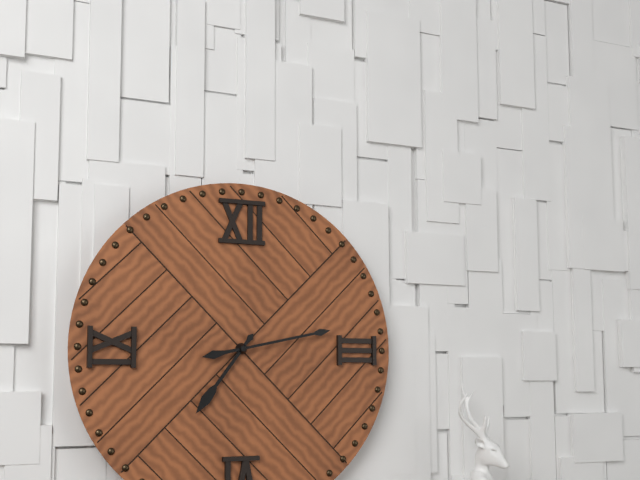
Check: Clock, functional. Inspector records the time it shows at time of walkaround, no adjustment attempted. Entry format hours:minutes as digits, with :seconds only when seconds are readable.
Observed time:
7:13
